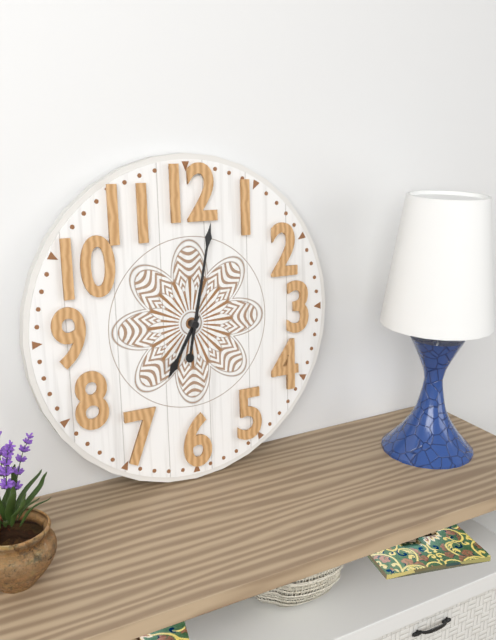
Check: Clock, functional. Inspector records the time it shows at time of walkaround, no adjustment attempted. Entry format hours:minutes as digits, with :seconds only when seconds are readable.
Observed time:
7:02
